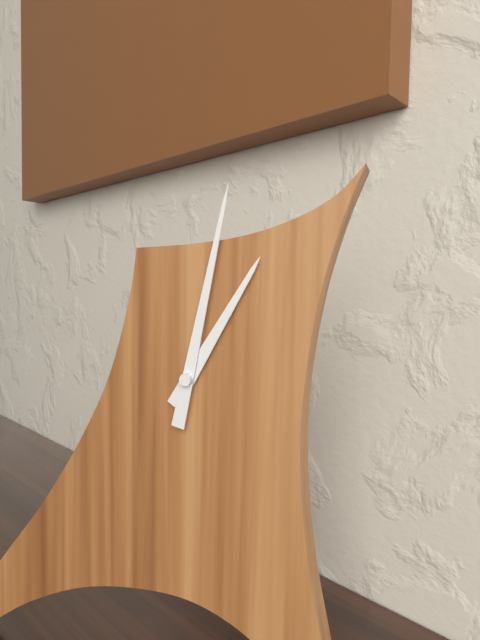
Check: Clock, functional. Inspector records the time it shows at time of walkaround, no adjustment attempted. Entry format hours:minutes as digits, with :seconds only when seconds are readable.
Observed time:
1:02
